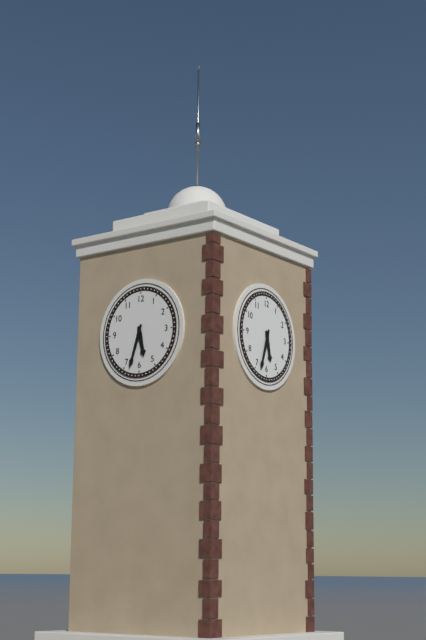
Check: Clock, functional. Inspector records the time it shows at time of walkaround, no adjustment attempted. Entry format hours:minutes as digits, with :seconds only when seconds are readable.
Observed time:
5:33
